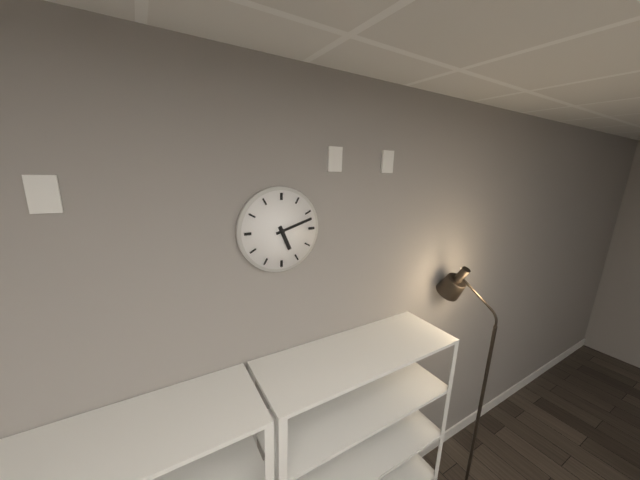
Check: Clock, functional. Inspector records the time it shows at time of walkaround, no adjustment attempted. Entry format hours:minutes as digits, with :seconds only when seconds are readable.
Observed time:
5:12
